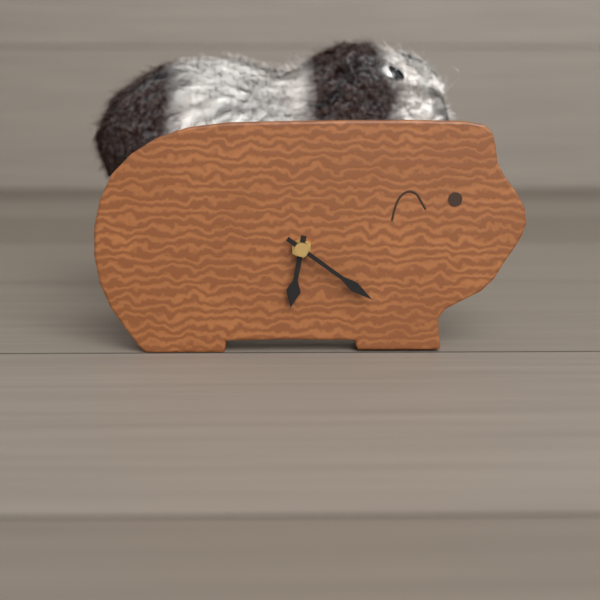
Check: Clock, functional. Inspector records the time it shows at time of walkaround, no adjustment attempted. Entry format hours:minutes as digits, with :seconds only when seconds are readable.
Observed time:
6:21
